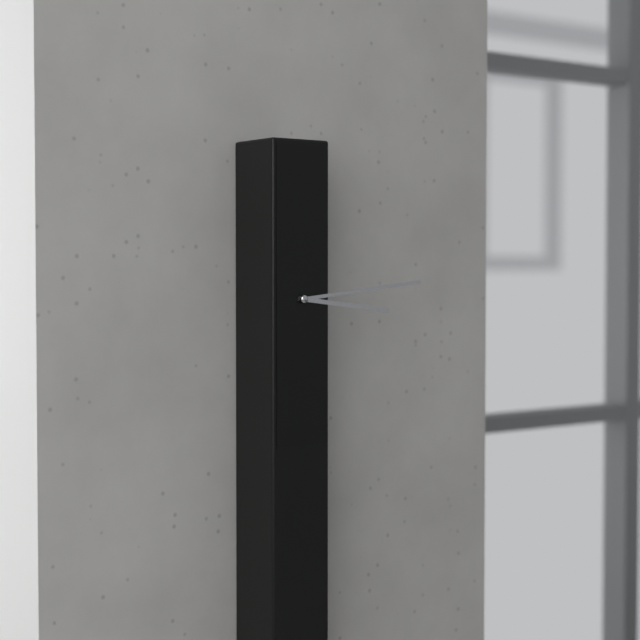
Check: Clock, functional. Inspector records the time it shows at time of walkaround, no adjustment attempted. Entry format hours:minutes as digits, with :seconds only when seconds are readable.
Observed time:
3:14
